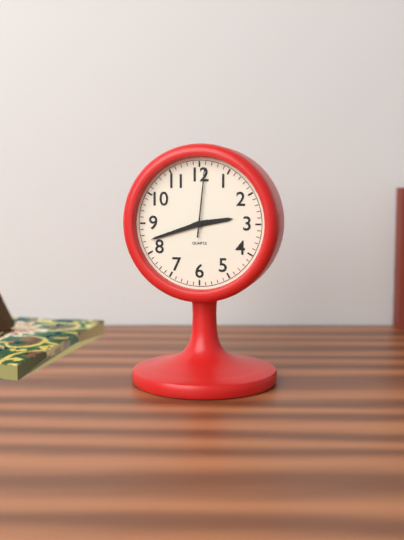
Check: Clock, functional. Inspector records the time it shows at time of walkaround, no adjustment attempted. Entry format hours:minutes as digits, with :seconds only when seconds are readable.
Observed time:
2:42:01
